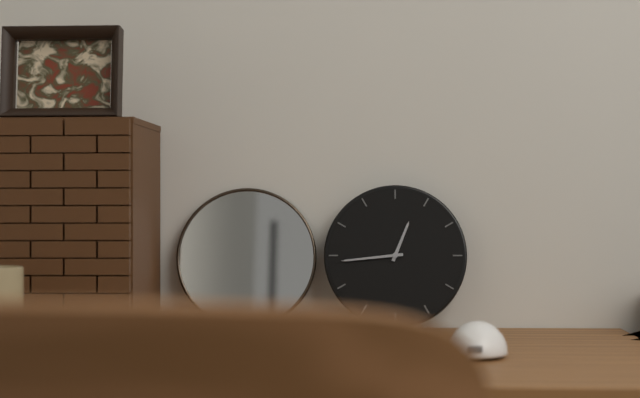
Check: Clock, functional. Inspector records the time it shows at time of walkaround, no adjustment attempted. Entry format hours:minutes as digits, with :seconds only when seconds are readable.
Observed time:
12:44
